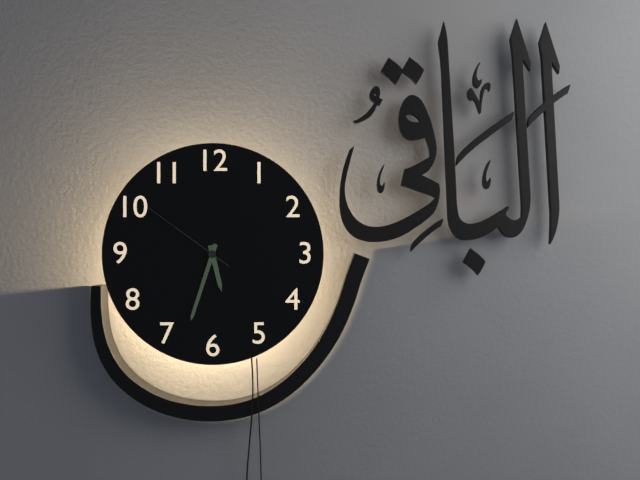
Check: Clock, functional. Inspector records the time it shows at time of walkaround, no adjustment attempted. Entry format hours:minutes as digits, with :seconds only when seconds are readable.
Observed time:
5:33:51
